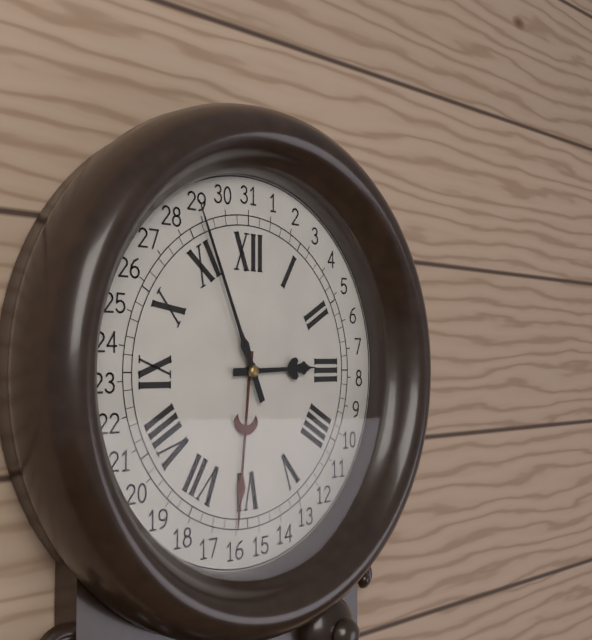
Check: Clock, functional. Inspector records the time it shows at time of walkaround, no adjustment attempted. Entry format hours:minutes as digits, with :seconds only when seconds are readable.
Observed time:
2:56
